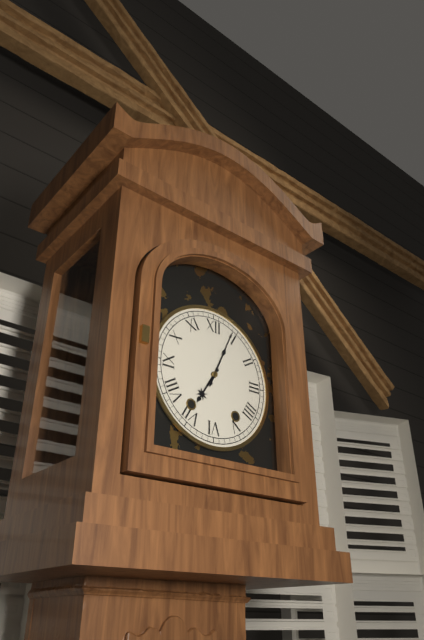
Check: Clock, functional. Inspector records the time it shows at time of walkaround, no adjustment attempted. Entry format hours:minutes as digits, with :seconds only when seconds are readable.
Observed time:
7:04
